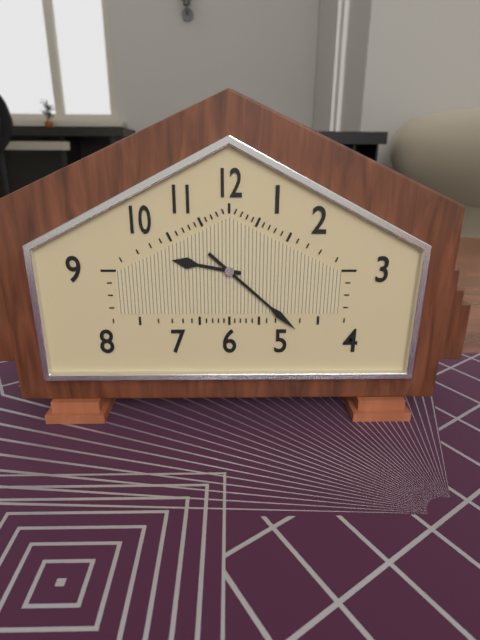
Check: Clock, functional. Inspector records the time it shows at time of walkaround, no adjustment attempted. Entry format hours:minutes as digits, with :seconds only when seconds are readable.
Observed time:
9:22
